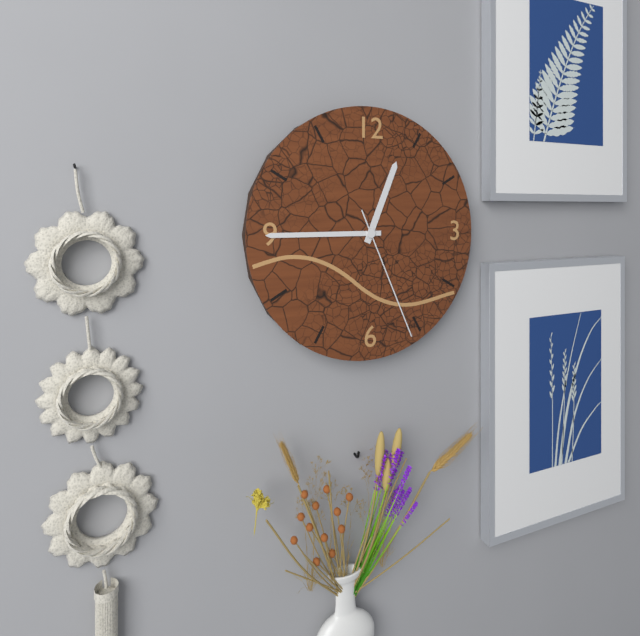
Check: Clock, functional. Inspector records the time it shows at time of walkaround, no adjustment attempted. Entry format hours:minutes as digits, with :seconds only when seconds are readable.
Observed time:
12:45:26
